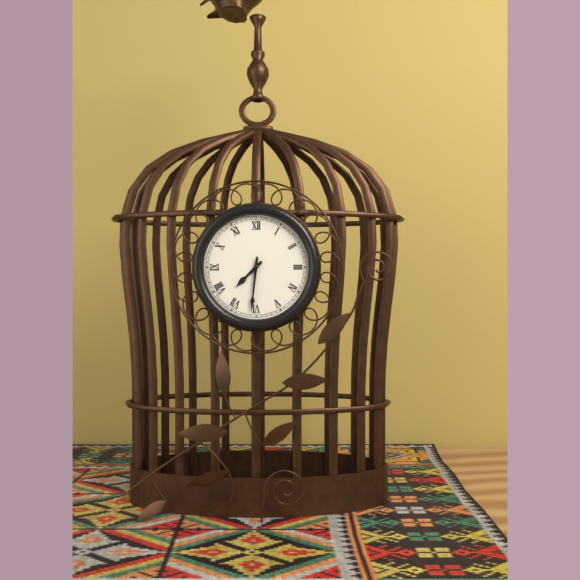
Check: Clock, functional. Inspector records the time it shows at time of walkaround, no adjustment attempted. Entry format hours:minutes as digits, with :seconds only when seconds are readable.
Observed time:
7:31
